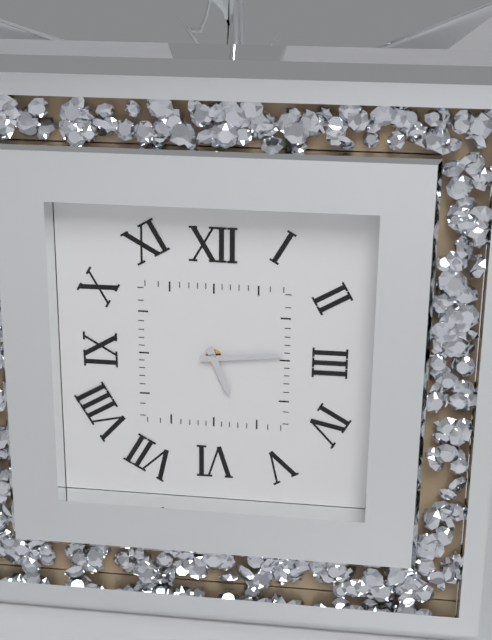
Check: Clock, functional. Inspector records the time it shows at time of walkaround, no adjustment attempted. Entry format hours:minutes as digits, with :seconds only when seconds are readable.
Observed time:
5:14
